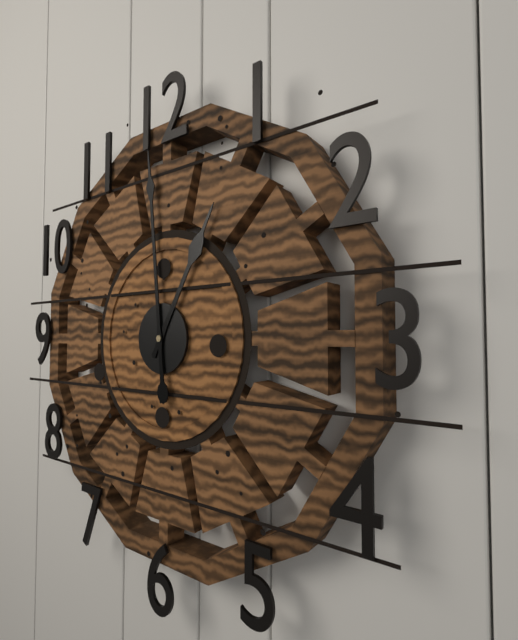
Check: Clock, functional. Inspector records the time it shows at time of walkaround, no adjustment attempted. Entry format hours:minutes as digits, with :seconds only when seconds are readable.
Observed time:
12:59
